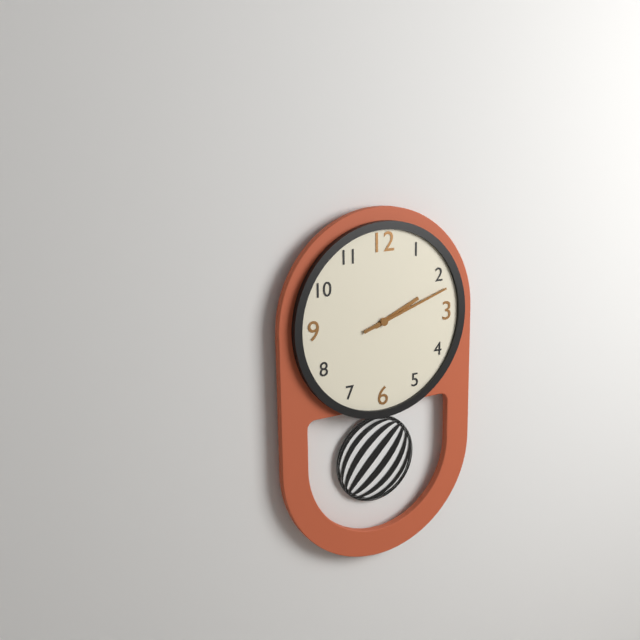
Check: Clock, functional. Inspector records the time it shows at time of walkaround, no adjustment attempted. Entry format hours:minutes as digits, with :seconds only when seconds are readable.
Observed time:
2:12
